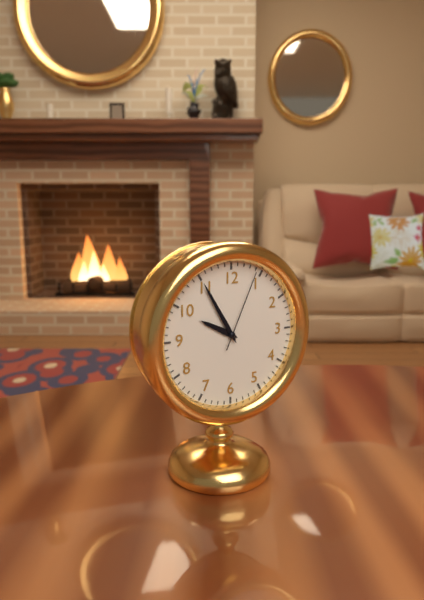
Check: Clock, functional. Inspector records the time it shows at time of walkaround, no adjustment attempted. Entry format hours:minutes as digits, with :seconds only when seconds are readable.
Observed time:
9:55:04
